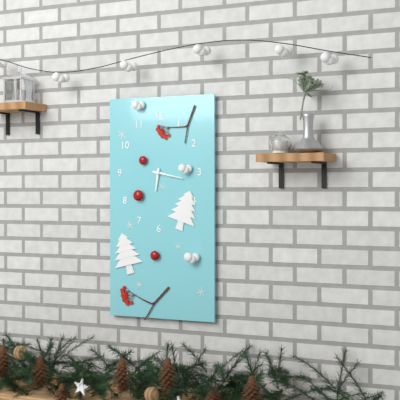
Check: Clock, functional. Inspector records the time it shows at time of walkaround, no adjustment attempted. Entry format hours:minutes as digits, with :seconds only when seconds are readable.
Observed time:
6:17
